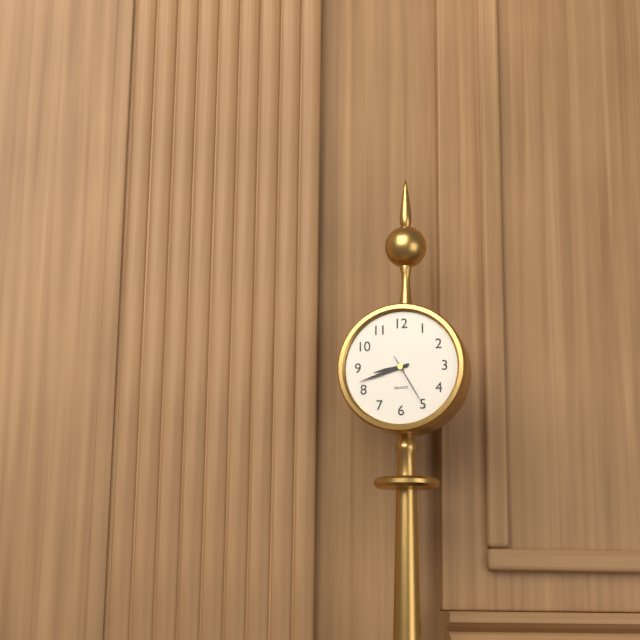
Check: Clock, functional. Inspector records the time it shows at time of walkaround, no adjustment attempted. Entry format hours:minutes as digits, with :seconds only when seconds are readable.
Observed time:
8:42:25
